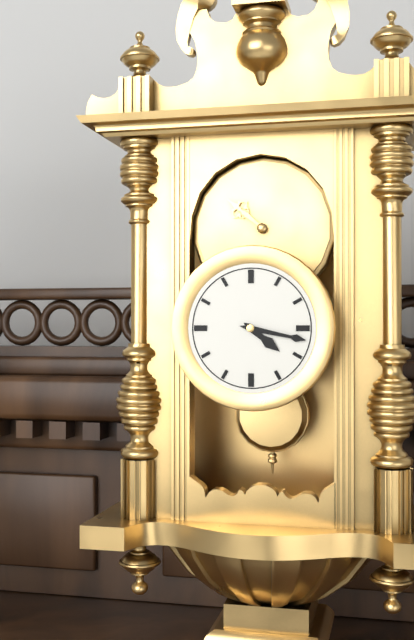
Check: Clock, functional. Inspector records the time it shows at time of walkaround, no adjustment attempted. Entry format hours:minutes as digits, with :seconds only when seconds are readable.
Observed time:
4:17
